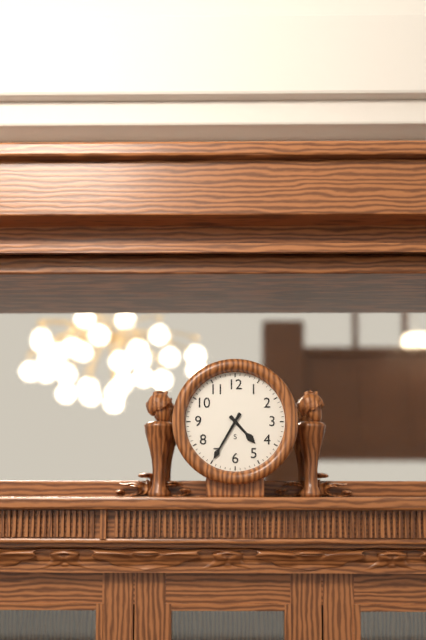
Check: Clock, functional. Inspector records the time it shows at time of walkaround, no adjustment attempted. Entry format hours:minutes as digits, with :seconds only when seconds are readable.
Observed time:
4:35
